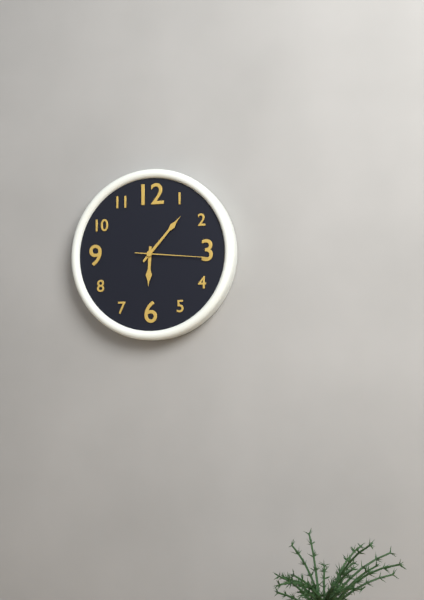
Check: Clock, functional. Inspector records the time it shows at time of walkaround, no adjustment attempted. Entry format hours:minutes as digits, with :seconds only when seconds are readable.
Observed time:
6:07:16
